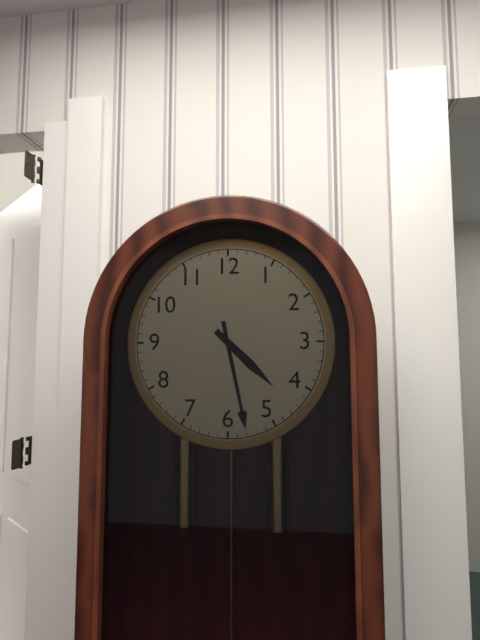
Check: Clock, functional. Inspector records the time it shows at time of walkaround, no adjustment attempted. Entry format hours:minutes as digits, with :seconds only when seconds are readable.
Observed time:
4:28
